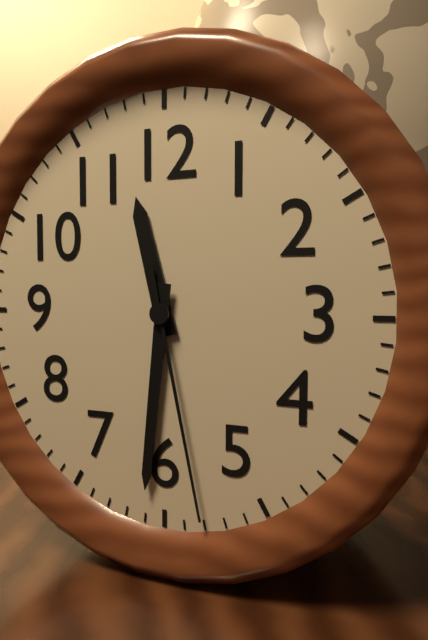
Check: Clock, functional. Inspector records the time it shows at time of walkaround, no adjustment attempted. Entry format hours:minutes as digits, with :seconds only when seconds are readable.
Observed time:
11:31:28
